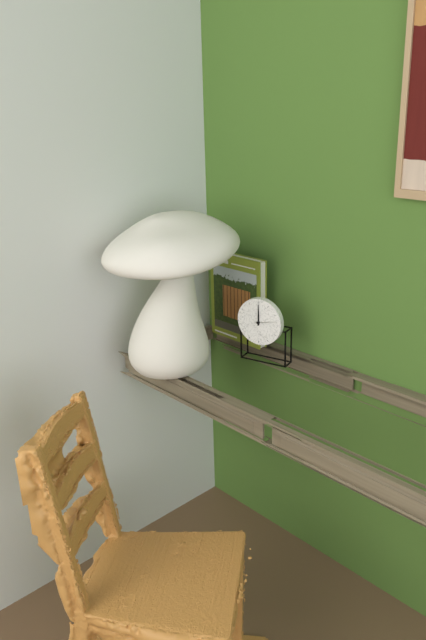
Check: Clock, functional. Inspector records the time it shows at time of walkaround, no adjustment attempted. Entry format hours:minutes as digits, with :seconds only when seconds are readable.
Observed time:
12:00
